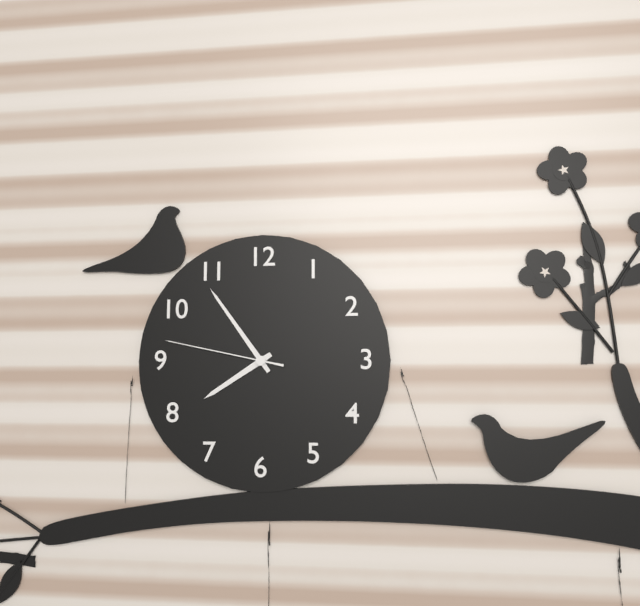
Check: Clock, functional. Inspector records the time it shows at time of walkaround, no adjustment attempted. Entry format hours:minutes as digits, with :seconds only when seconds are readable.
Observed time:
7:54:47
